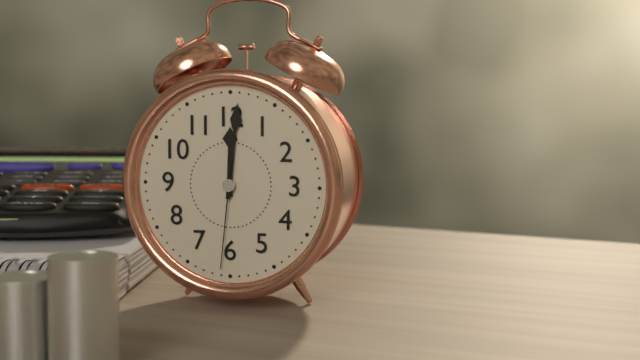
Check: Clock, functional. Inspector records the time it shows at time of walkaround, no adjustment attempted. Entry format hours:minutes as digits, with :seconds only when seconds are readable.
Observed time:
12:01:31
